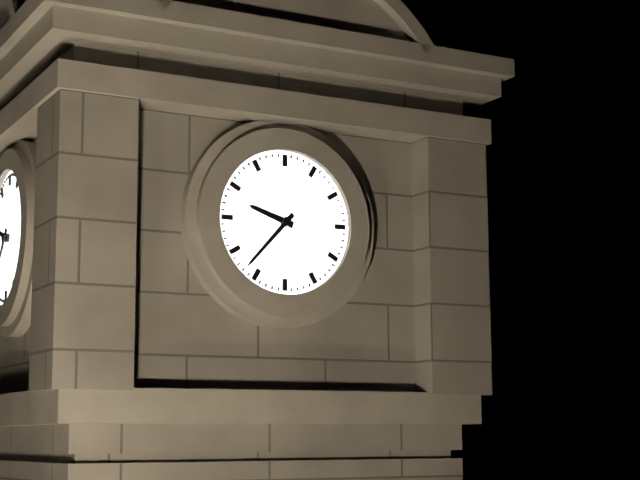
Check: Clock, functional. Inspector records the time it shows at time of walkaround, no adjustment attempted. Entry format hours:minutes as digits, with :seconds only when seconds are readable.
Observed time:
9:37
